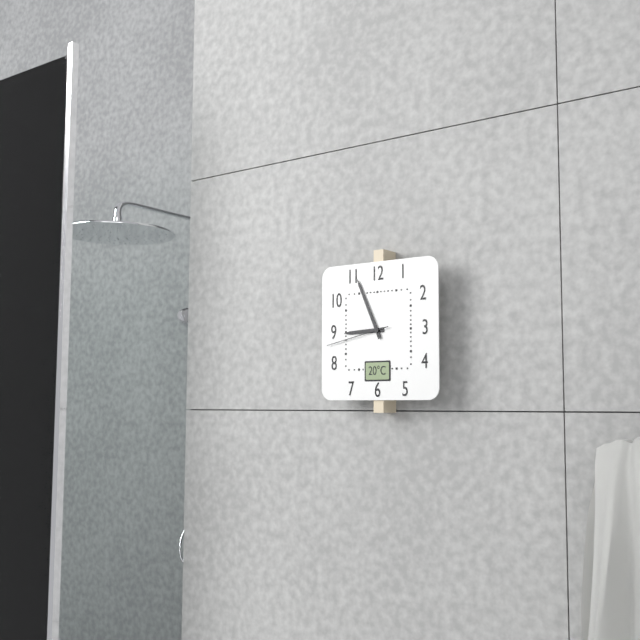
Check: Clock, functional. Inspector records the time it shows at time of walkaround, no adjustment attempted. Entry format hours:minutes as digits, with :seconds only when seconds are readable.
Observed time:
8:56:43
